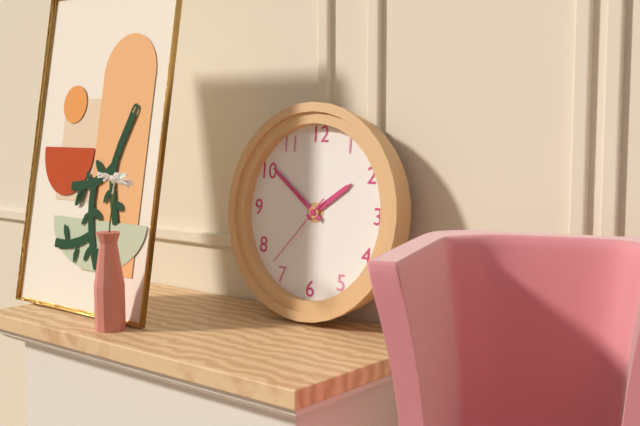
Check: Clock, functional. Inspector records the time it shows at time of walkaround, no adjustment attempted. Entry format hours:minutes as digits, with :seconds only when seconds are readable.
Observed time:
1:51:37
